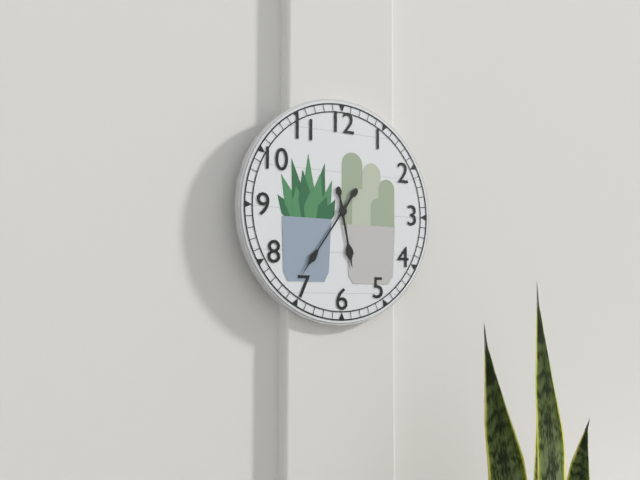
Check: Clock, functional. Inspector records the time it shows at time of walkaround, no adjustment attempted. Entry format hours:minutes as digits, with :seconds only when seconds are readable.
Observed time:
5:36
